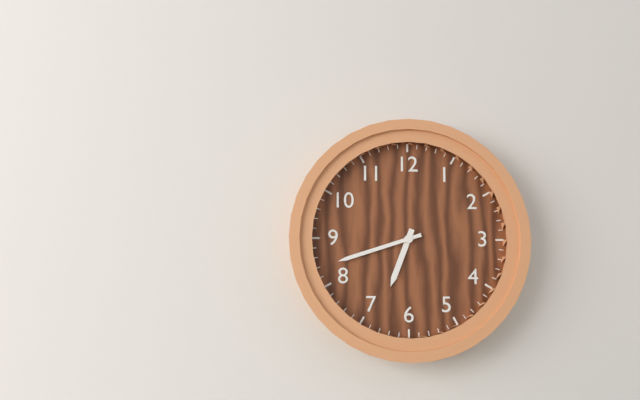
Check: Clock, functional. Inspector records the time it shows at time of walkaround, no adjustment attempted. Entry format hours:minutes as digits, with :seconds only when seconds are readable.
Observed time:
6:42
